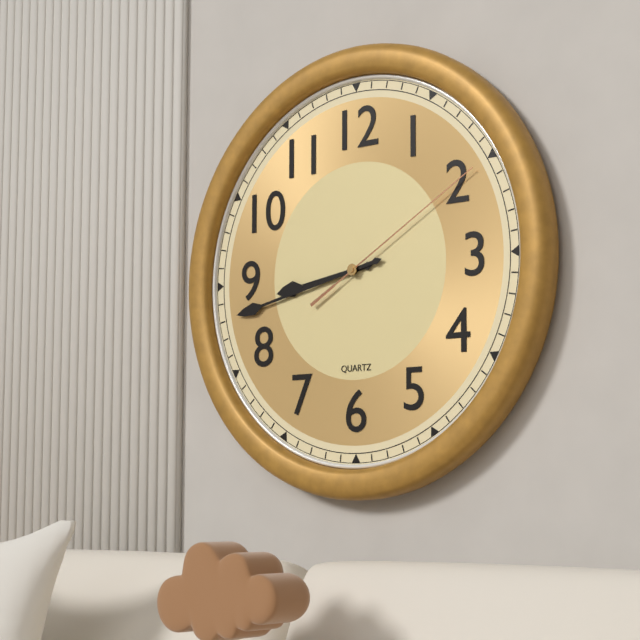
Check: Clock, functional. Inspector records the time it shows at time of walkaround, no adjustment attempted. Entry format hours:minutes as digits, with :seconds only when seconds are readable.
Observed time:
8:43:10
